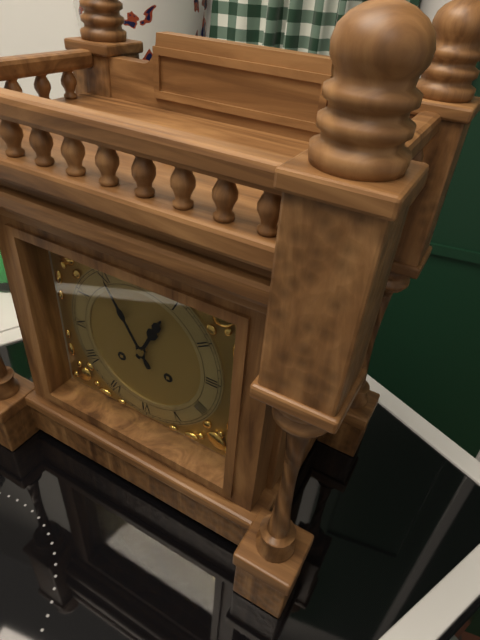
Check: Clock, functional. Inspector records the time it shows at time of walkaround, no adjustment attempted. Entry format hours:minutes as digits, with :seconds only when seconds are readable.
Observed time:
12:55
